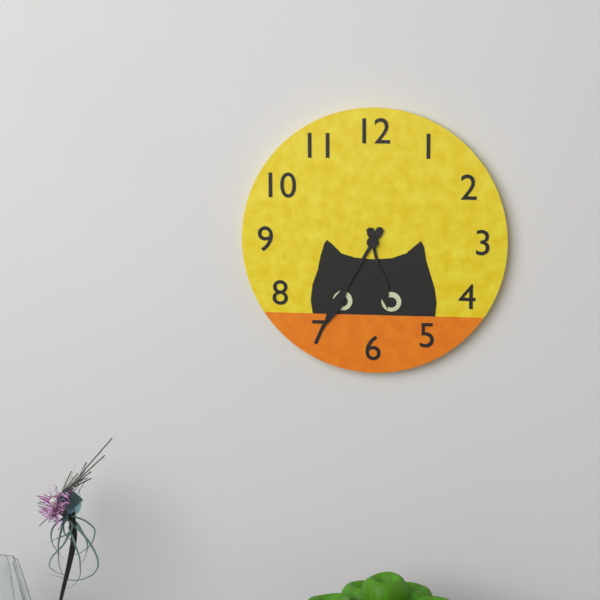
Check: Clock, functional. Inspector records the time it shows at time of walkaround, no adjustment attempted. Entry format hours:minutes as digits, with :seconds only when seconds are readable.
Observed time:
5:35
